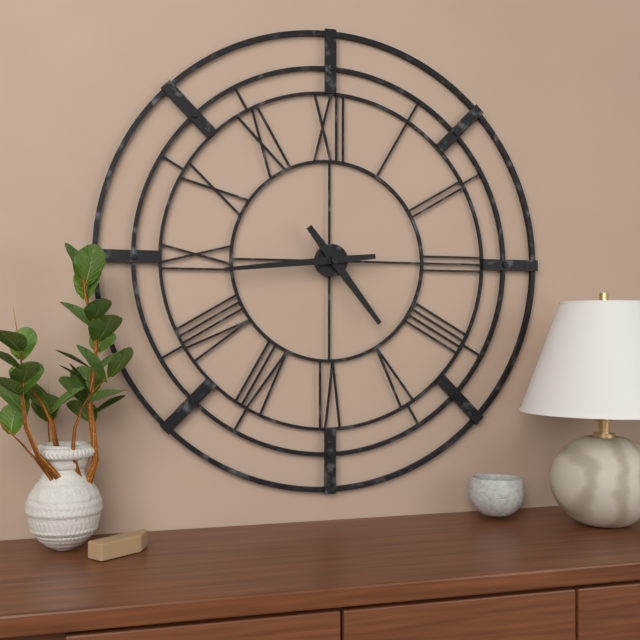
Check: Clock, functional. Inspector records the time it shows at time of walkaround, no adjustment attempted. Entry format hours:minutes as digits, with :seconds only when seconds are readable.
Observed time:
4:44
